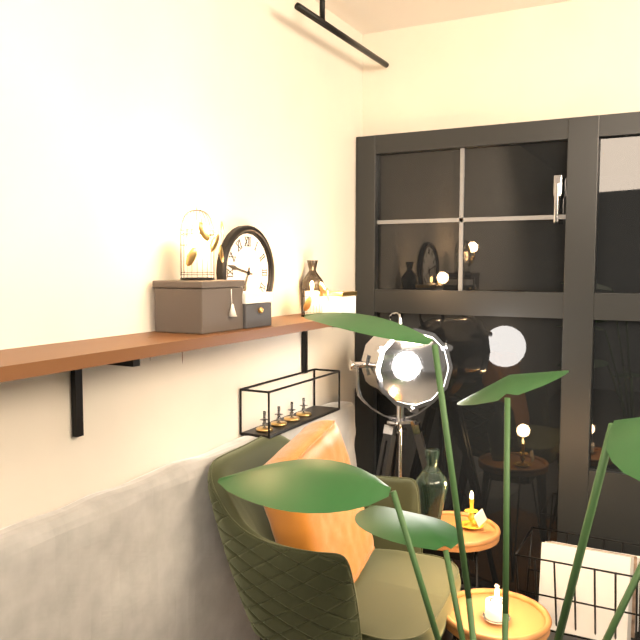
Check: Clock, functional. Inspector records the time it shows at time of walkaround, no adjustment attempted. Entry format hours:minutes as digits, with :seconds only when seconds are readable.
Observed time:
6:47
